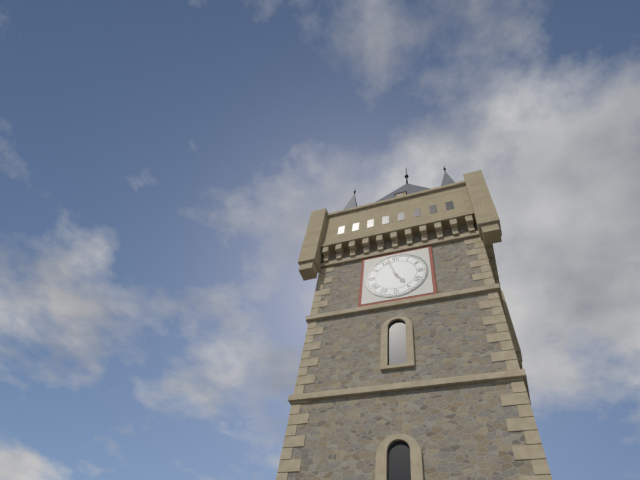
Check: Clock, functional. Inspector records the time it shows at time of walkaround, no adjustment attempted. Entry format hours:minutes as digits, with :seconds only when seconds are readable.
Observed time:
4:57
